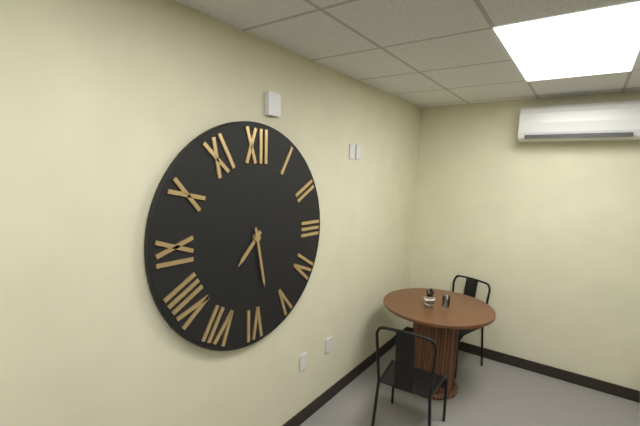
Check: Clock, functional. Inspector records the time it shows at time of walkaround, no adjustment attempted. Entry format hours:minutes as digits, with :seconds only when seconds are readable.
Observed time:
7:28
